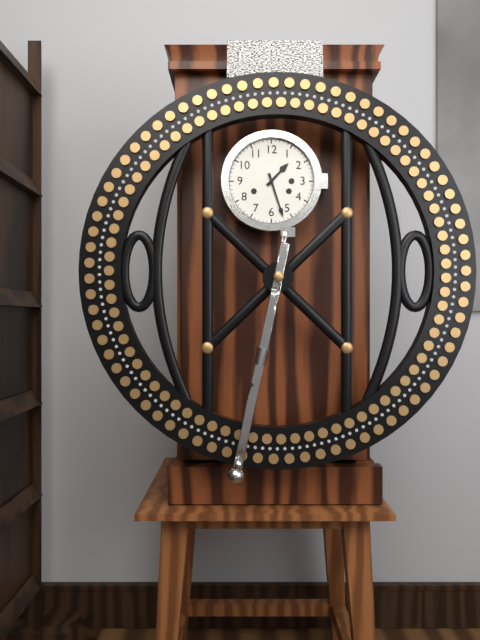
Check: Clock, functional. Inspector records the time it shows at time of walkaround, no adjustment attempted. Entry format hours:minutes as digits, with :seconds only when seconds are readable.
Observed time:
1:27
